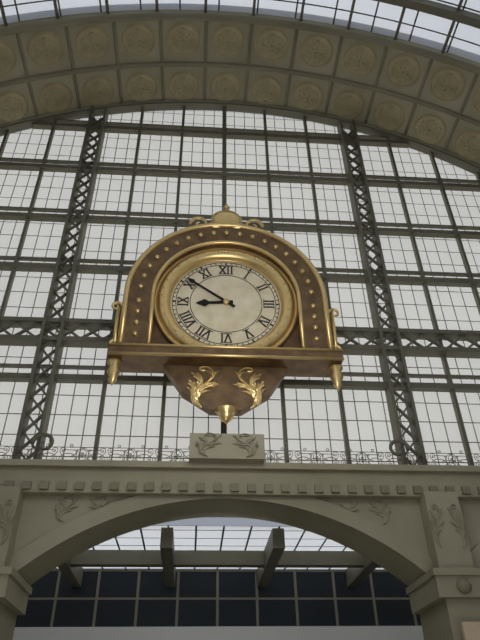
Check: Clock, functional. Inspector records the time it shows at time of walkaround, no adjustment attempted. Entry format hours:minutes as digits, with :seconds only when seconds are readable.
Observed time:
8:51
